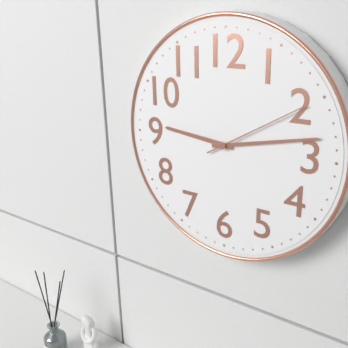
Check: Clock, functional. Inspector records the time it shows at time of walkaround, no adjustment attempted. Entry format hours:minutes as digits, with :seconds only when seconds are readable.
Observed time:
9:13:10
